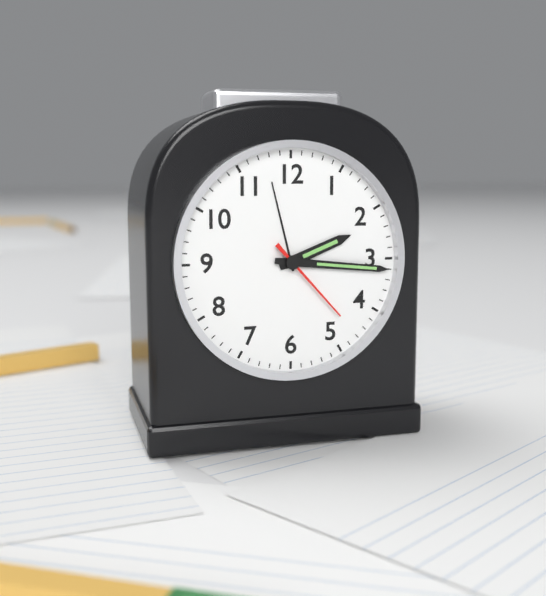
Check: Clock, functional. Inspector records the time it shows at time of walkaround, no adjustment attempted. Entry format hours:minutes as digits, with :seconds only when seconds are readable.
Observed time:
2:16:23
